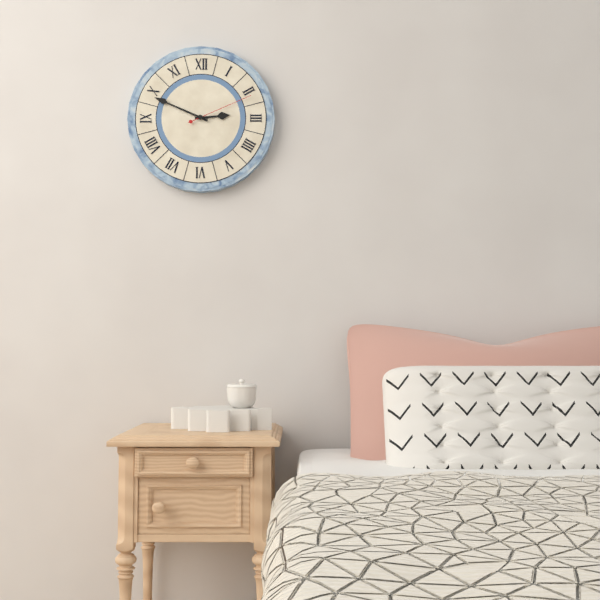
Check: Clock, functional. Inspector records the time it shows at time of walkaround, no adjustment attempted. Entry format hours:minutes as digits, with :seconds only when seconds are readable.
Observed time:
2:49:11
